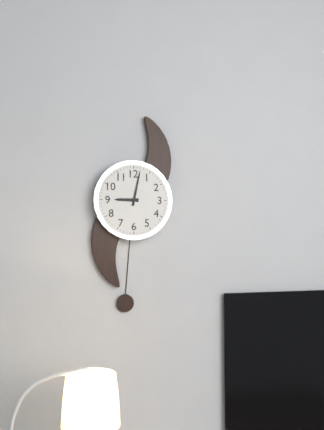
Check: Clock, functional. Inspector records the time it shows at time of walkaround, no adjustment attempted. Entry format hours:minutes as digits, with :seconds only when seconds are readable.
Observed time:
9:02
